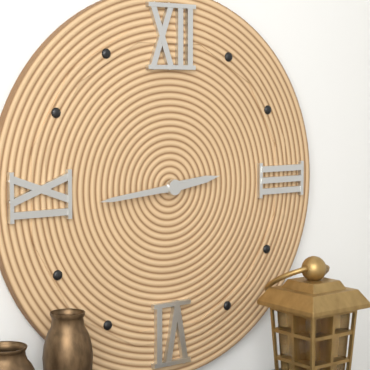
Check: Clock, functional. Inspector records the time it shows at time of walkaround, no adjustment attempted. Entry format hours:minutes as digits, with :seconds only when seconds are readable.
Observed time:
2:44
